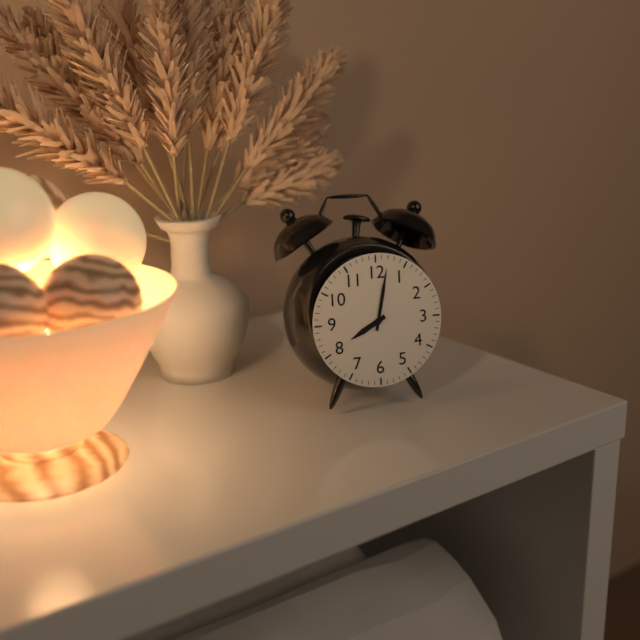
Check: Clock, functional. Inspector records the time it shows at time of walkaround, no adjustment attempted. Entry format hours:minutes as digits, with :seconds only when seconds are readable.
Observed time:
8:02
